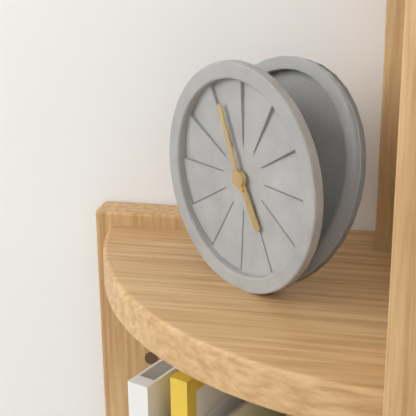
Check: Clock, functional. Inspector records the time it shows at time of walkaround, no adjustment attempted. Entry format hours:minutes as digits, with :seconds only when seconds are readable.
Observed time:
4:56
